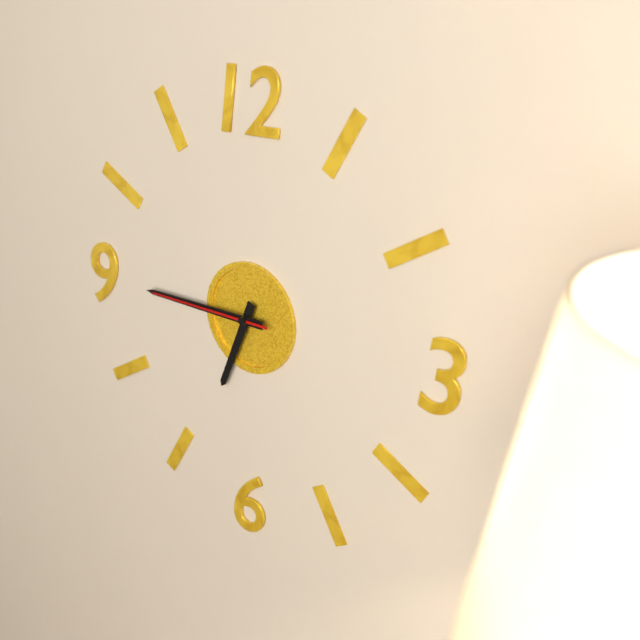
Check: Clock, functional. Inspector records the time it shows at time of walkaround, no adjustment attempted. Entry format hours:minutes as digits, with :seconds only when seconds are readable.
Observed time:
6:45:45
